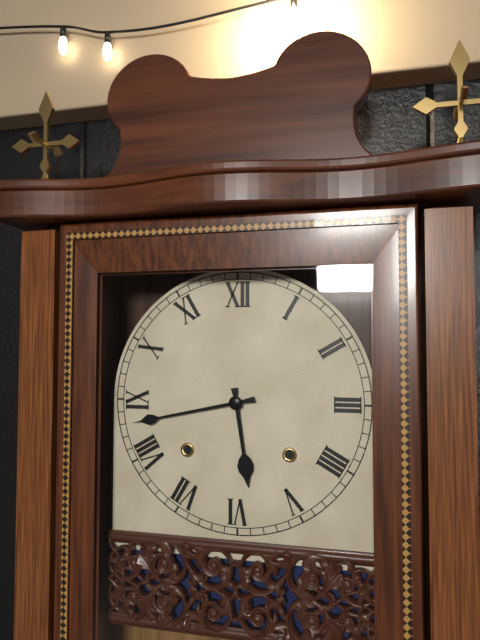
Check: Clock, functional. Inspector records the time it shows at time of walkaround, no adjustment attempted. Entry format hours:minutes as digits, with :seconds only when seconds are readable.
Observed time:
5:43
